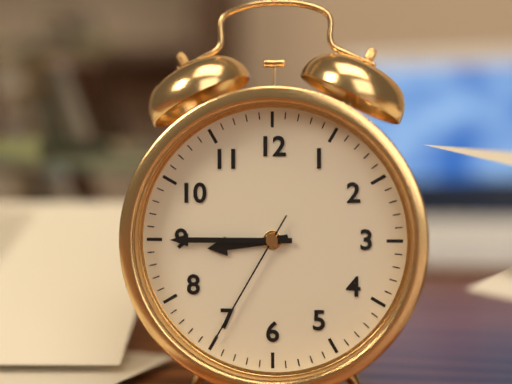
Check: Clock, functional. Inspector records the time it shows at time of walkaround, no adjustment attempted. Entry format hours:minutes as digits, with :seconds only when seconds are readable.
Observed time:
8:45:35
